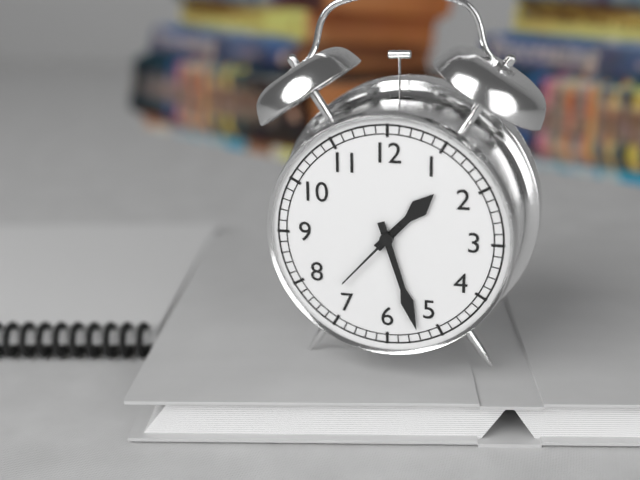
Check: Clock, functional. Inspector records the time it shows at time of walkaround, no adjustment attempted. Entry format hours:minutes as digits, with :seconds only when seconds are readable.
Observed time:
1:27:37
